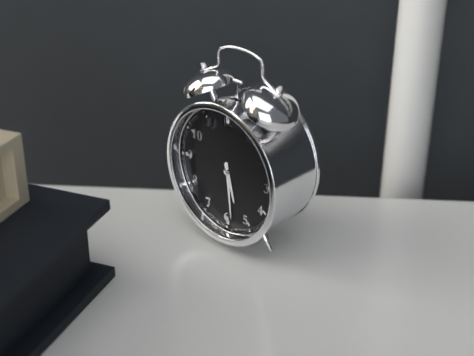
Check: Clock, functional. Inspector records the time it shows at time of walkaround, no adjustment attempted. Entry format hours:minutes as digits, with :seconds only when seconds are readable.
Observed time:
5:29
